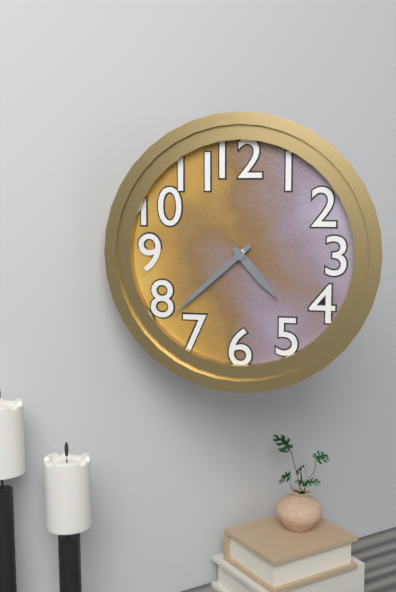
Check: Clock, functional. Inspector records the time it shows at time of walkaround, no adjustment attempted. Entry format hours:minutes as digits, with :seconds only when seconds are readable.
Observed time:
4:38
